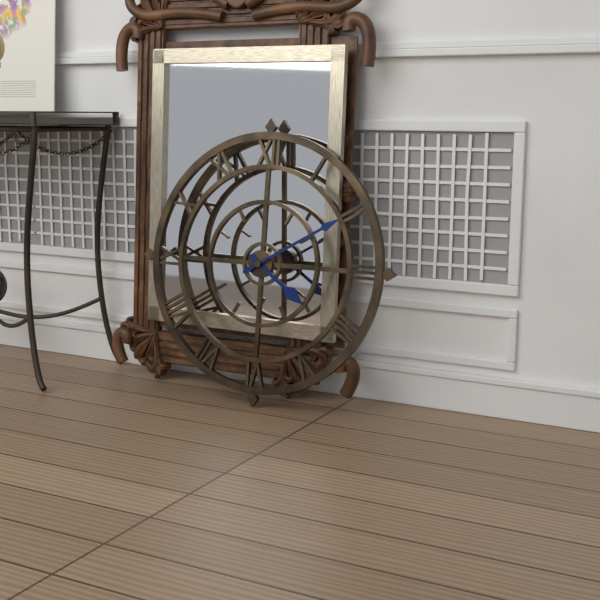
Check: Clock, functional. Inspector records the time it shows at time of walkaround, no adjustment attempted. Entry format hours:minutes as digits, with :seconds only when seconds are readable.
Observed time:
4:10
